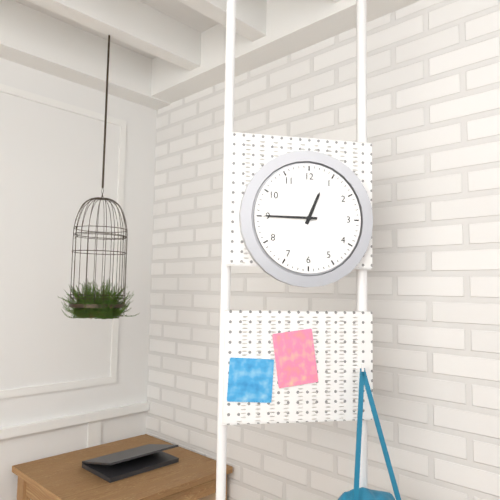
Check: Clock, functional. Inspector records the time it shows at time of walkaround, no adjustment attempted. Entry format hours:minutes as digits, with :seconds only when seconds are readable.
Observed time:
12:45
